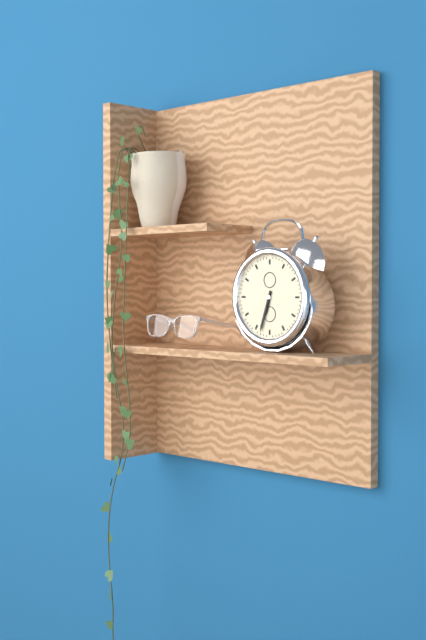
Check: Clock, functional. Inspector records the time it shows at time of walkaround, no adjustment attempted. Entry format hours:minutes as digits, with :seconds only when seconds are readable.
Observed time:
6:33
